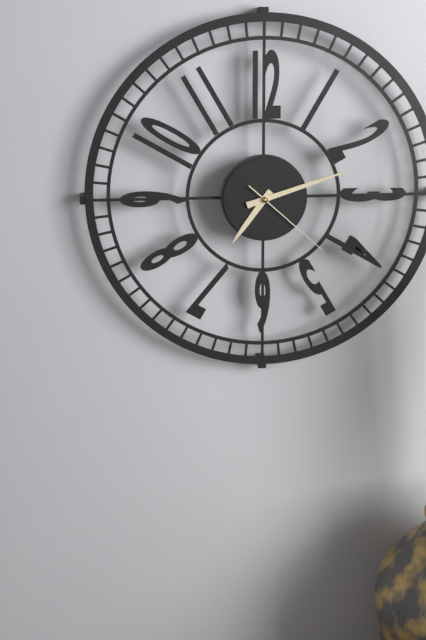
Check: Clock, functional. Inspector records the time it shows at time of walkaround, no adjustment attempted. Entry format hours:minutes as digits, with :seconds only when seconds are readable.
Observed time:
7:12:22
